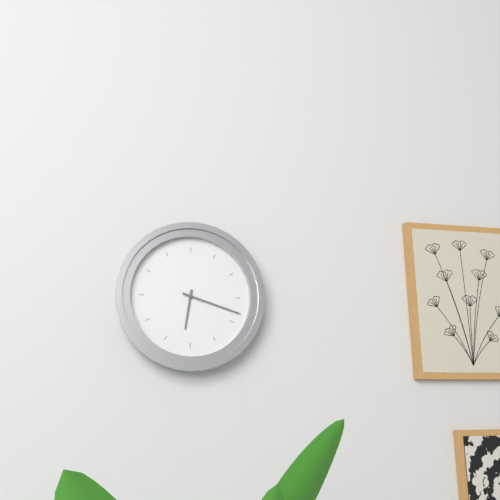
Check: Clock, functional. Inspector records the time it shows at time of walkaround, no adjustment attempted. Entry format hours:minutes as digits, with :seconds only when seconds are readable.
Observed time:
6:18
